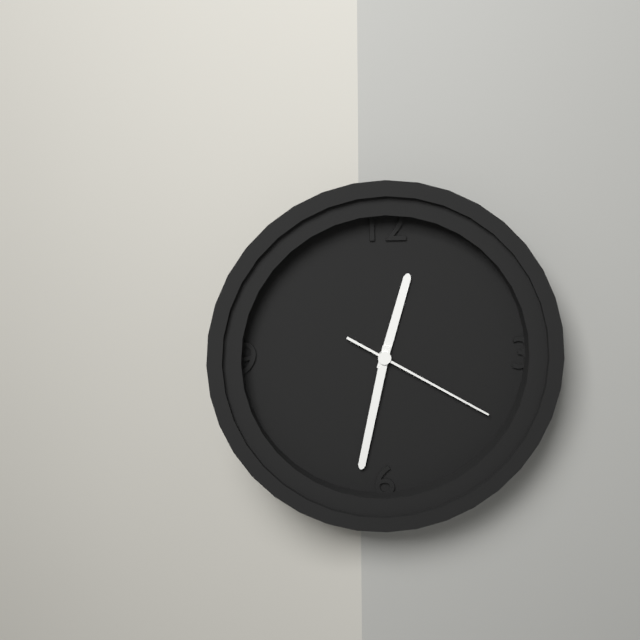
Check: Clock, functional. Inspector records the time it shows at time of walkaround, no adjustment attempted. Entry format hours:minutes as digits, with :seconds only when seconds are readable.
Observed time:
12:32:20
